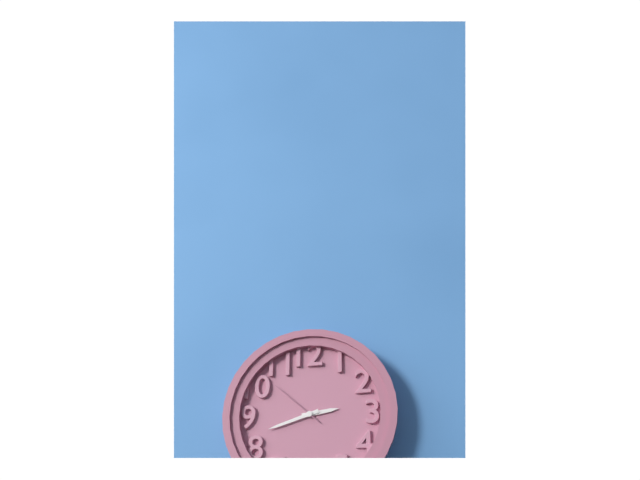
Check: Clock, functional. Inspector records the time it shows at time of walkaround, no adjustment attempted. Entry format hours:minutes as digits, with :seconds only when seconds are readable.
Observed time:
2:42:52
